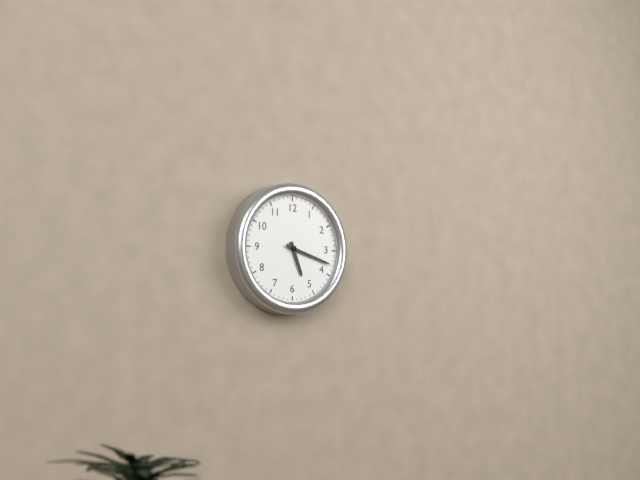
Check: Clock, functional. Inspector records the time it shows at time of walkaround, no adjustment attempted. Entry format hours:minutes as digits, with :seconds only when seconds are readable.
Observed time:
5:18
